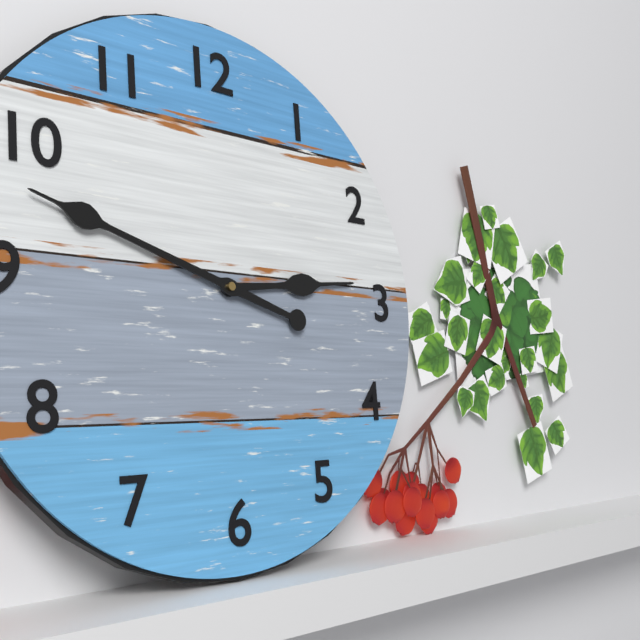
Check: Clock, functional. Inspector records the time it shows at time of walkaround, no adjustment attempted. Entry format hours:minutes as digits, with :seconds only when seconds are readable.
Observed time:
2:48
